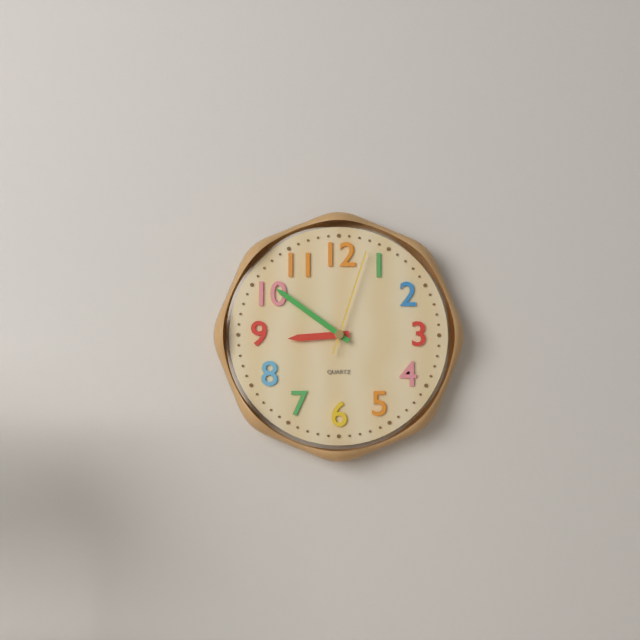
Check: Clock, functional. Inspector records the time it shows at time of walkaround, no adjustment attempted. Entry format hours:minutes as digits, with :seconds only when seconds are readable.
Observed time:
8:51:03
